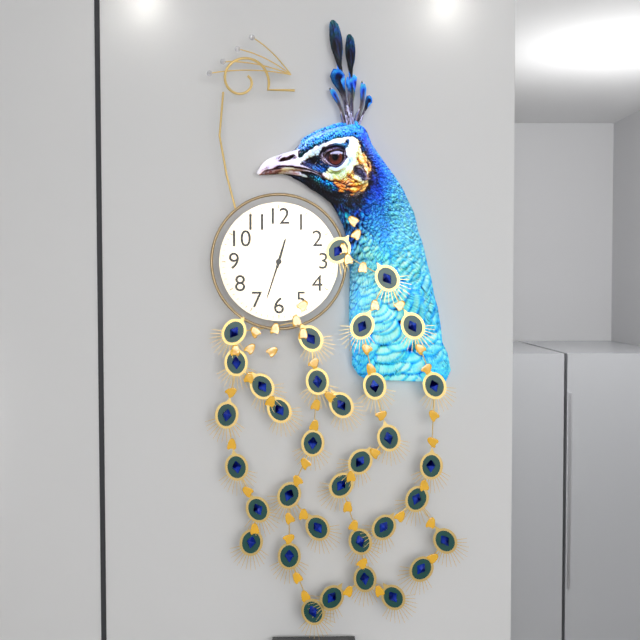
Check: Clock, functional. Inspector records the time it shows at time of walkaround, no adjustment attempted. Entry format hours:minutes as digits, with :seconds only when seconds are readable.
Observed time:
12:33
